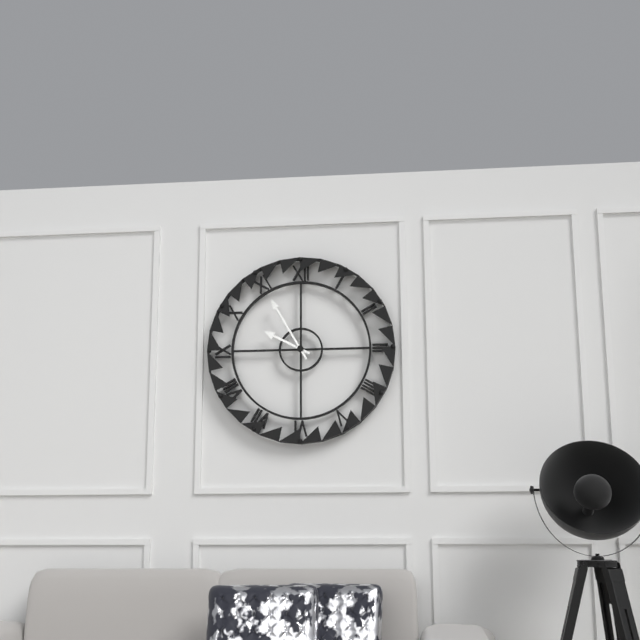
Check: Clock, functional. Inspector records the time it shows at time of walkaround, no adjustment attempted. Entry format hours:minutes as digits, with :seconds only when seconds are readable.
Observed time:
9:55
